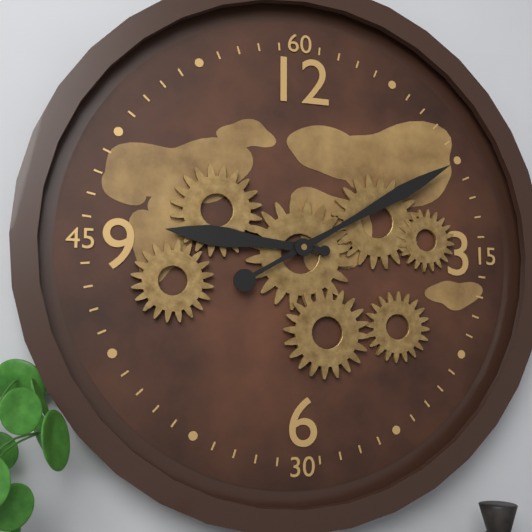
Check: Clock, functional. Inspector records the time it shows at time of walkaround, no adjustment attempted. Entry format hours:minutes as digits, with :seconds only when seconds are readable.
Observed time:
9:10
